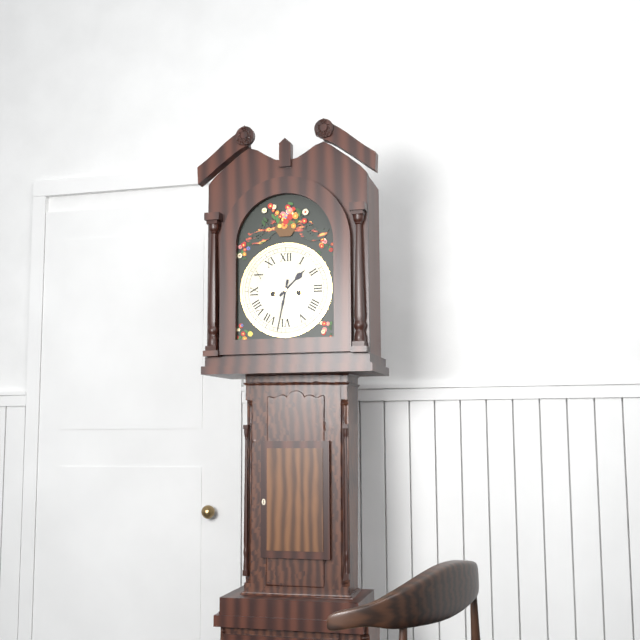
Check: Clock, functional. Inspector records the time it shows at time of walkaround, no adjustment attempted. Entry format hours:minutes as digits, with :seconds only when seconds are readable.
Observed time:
1:32
